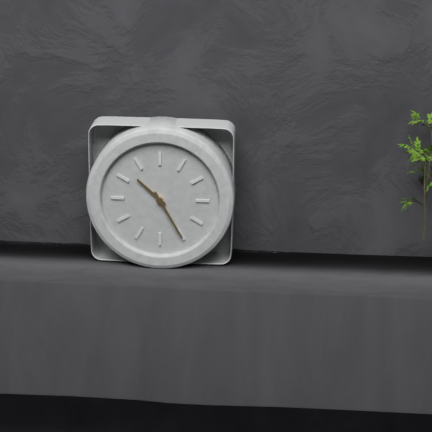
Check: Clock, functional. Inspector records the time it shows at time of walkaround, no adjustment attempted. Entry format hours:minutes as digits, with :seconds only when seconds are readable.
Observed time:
10:25
